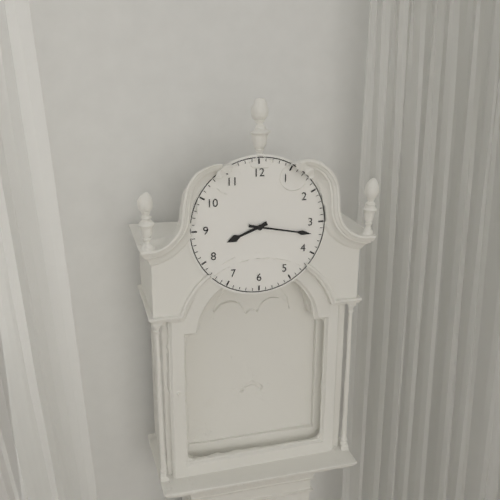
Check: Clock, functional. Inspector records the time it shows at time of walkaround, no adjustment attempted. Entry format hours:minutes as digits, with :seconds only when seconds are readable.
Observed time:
8:17
